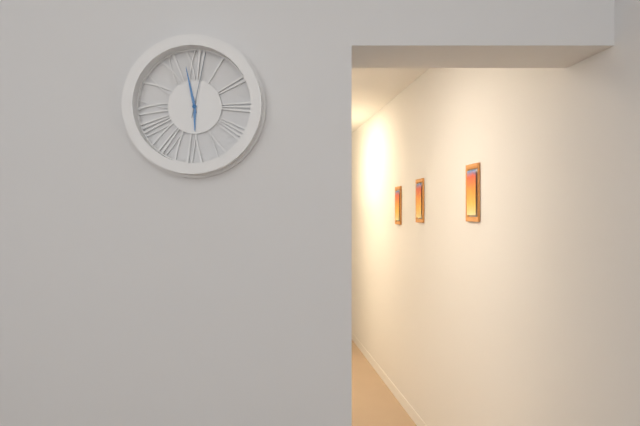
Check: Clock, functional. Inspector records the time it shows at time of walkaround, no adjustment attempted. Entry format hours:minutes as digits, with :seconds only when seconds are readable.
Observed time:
5:58:02
